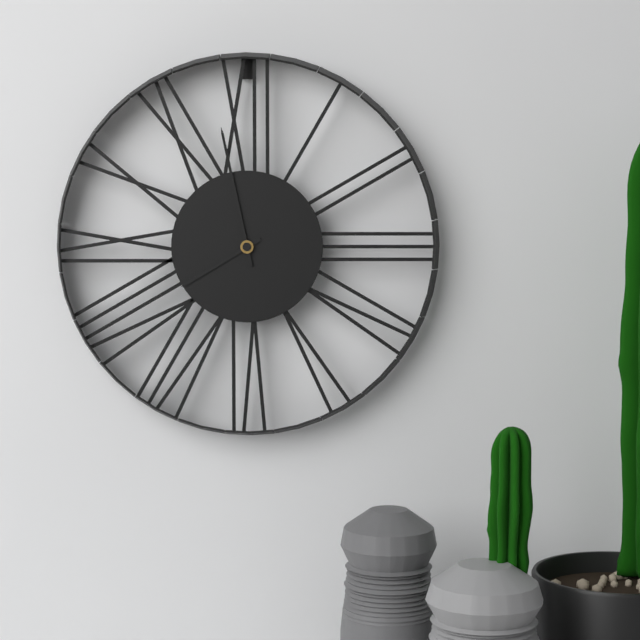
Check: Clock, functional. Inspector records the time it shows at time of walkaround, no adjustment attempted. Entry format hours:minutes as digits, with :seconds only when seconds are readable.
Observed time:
7:58
